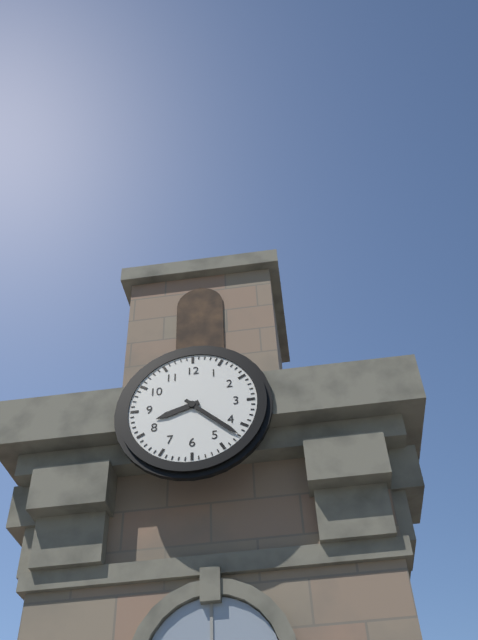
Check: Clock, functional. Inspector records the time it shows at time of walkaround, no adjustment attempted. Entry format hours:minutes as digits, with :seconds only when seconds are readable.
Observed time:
8:22
